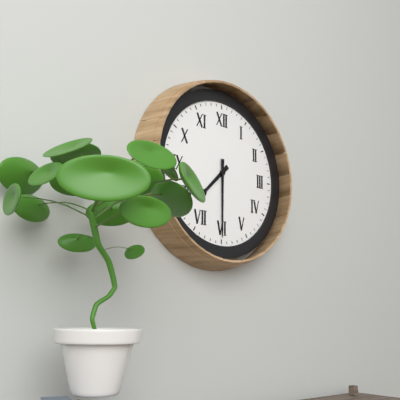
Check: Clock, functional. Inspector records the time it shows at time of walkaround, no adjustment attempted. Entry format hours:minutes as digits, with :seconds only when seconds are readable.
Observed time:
7:30
